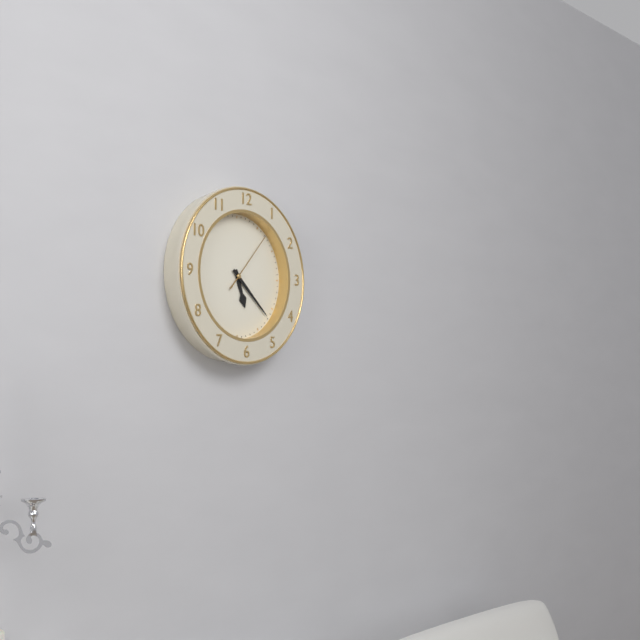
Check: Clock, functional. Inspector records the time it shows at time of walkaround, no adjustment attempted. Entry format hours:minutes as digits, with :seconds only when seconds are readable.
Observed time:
5:22:07
